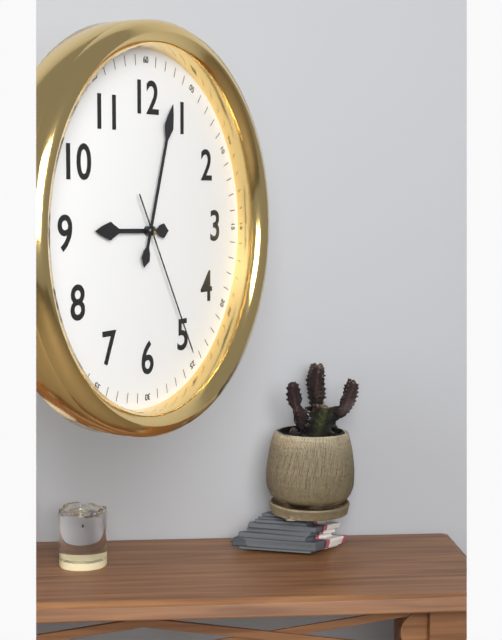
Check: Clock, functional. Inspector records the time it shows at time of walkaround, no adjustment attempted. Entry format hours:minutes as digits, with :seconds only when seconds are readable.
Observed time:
9:03:25
